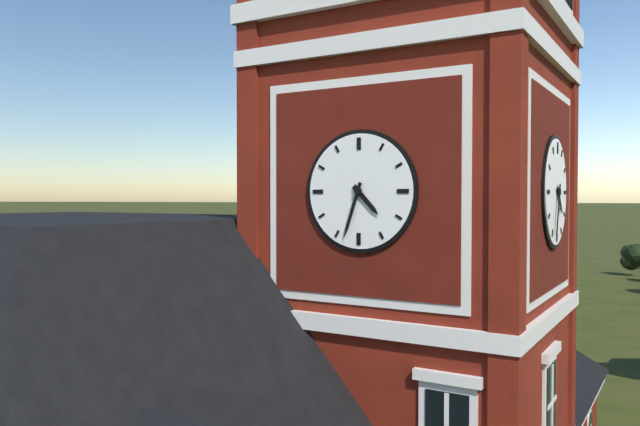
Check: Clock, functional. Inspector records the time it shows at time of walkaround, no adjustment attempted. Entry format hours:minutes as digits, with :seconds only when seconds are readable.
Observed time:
4:33
